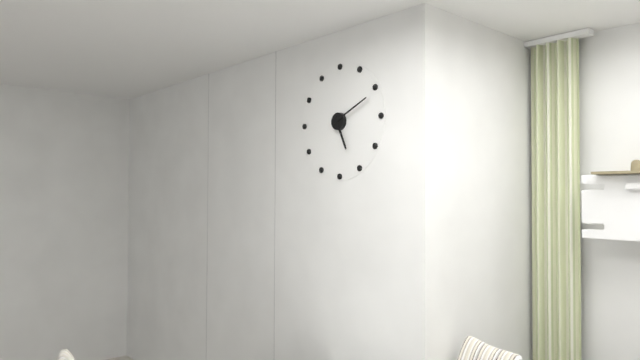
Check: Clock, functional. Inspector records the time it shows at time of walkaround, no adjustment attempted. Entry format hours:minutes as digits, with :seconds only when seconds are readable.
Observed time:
5:11
